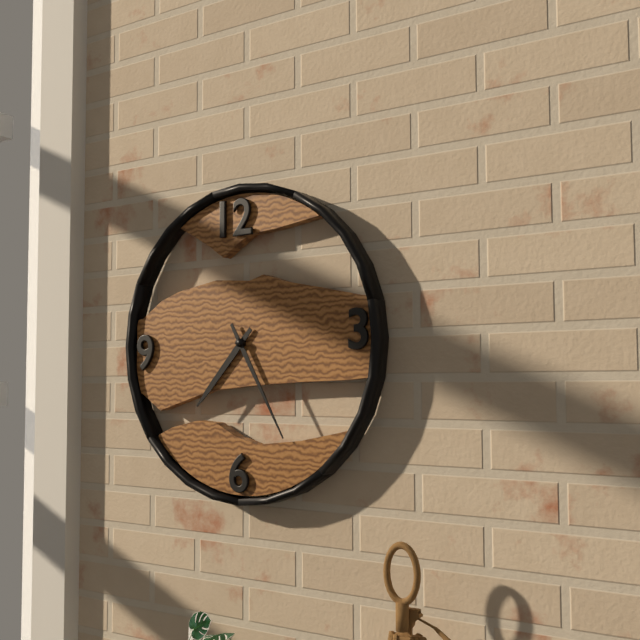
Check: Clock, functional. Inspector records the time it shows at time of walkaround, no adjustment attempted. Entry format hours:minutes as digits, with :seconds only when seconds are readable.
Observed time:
7:25
